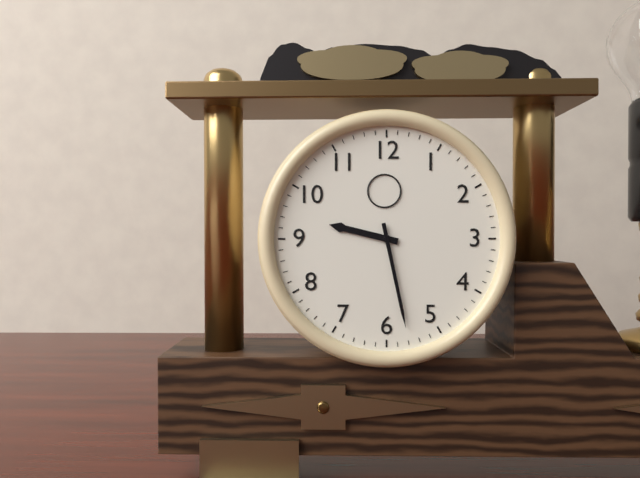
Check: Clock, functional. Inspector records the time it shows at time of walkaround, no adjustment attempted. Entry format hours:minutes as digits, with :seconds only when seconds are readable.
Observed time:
9:28
